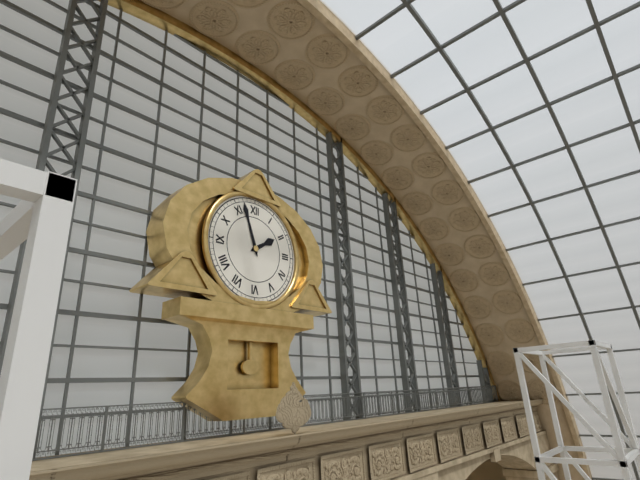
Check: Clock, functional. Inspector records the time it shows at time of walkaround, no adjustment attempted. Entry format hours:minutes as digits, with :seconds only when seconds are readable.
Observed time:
1:57
